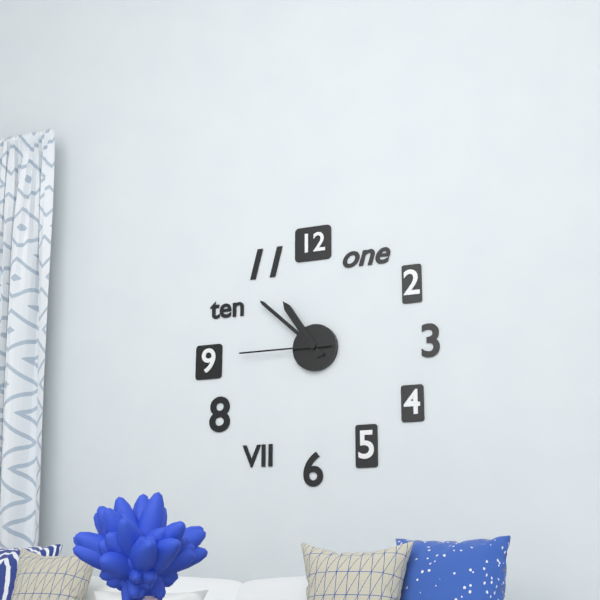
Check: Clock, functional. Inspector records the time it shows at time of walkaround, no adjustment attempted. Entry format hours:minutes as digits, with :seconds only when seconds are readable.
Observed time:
10:52:45
